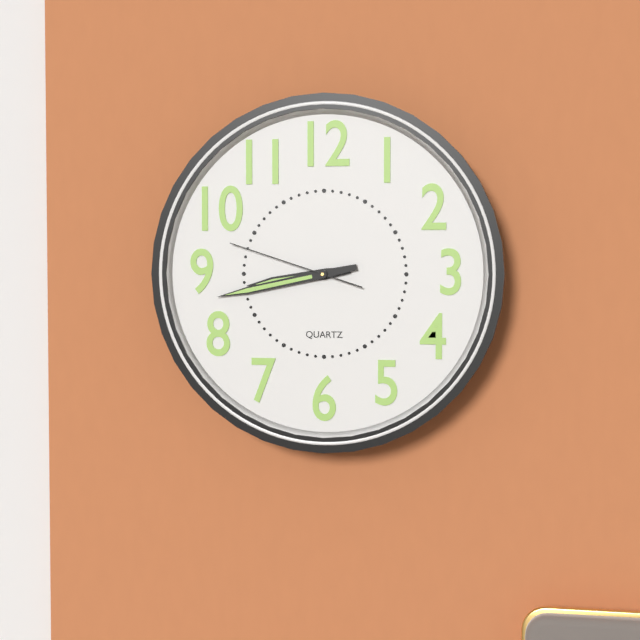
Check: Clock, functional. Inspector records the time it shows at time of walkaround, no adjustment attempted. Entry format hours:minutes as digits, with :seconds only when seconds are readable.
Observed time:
8:43:48
